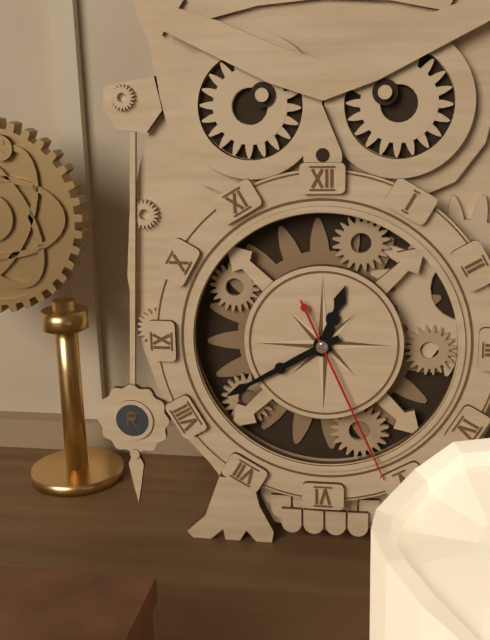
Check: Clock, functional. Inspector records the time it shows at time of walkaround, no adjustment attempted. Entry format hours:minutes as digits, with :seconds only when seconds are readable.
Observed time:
12:40:26
